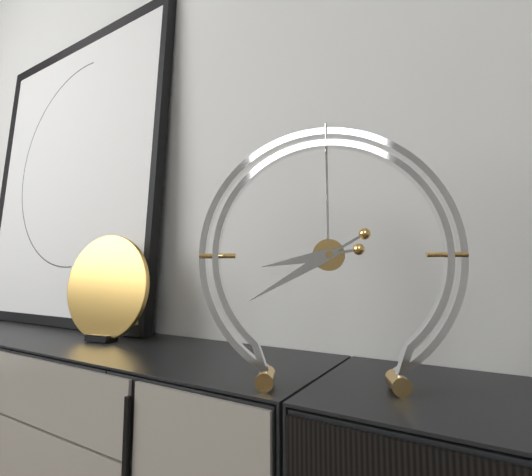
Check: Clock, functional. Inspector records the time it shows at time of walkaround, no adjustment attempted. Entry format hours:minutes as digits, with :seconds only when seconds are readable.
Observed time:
8:40
